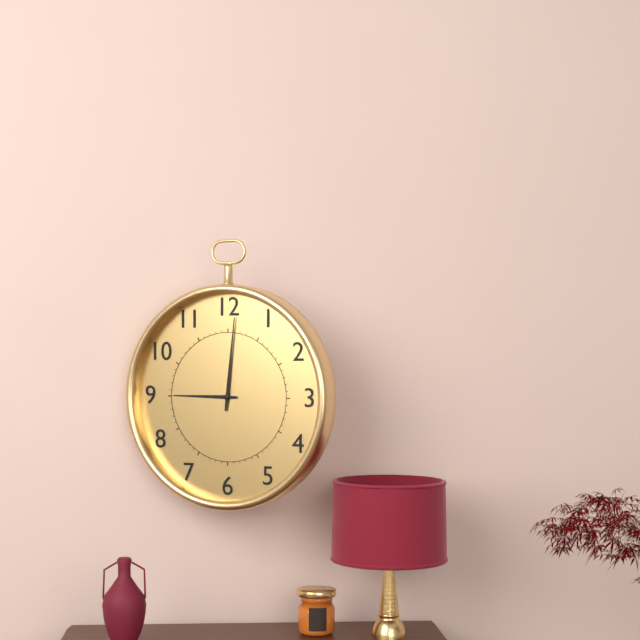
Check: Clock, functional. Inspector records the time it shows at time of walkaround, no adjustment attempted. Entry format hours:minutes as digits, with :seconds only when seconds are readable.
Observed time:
9:01
